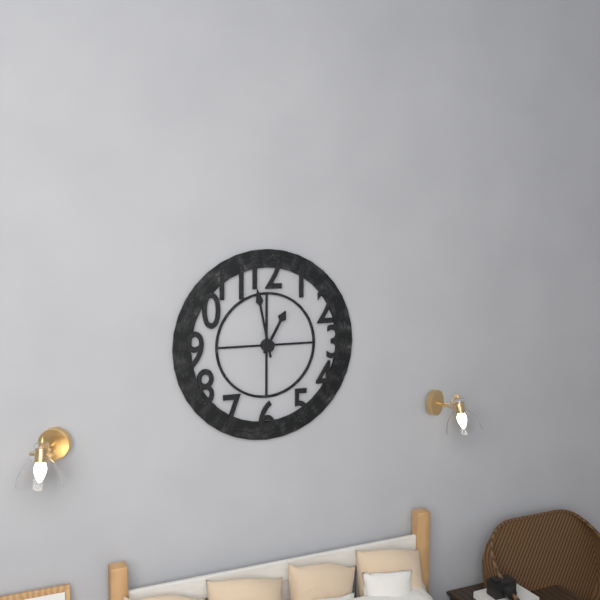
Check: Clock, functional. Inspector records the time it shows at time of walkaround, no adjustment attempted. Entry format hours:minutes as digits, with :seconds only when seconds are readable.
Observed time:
12:58
